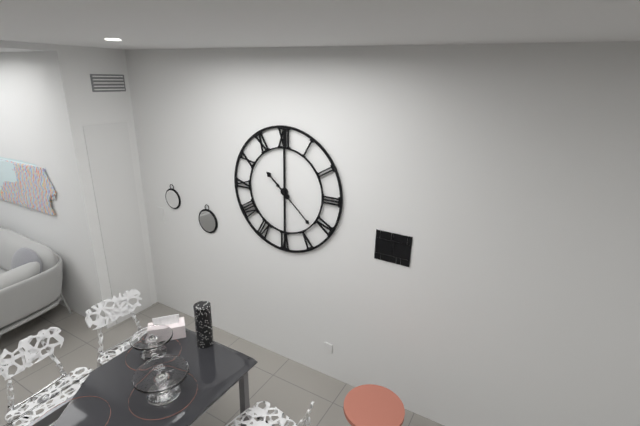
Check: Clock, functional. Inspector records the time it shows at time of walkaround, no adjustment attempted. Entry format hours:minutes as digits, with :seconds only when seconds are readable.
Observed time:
10:22
